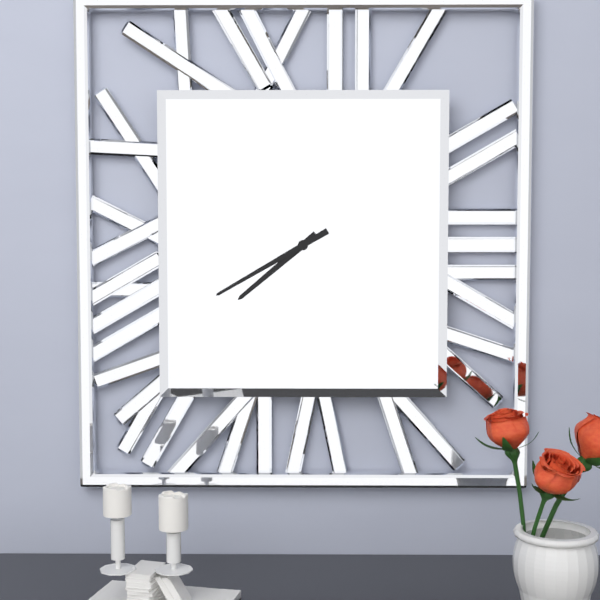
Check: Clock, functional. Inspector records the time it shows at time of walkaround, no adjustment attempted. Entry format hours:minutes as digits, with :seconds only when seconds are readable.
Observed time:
7:40
